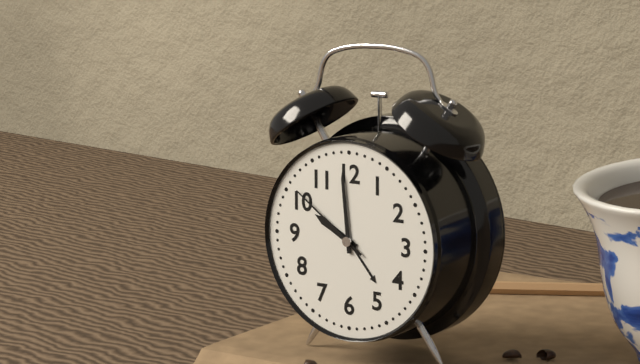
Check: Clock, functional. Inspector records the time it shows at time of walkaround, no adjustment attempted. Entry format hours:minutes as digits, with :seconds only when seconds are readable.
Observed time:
9:59:51
